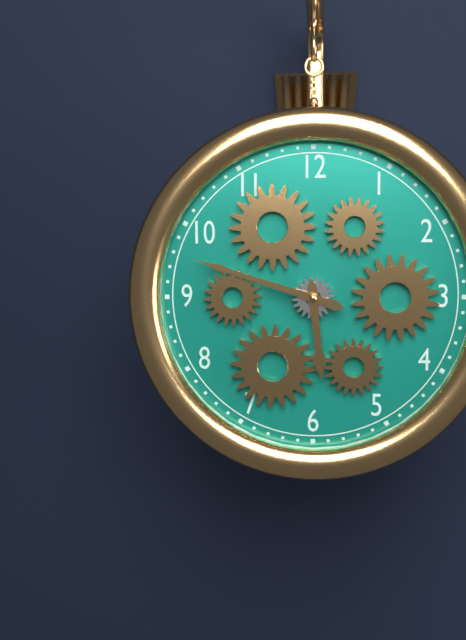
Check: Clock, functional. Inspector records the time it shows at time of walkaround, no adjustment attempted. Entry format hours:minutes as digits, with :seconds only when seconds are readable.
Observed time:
5:48
